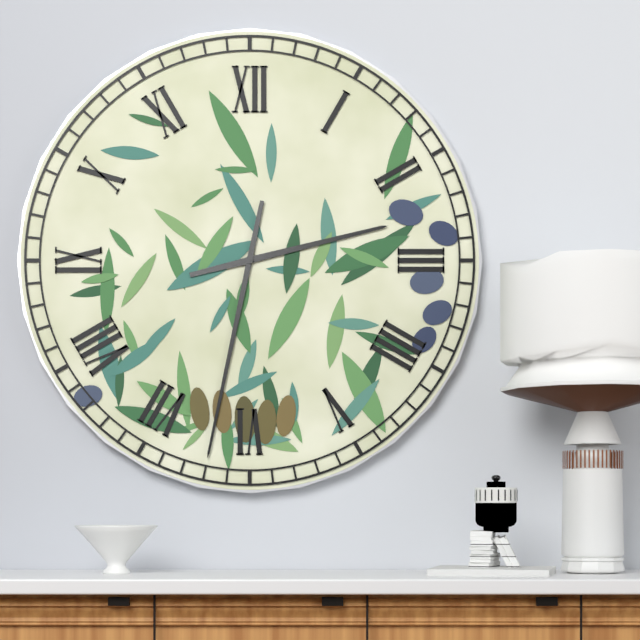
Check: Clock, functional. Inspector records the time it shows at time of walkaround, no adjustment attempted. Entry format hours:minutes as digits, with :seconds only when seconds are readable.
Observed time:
2:32
